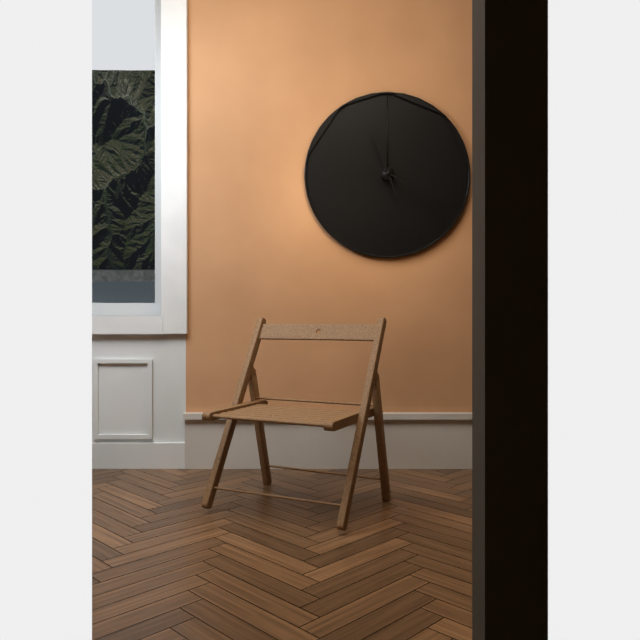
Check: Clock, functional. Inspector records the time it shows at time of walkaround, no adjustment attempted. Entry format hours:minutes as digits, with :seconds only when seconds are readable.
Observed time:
11:20
